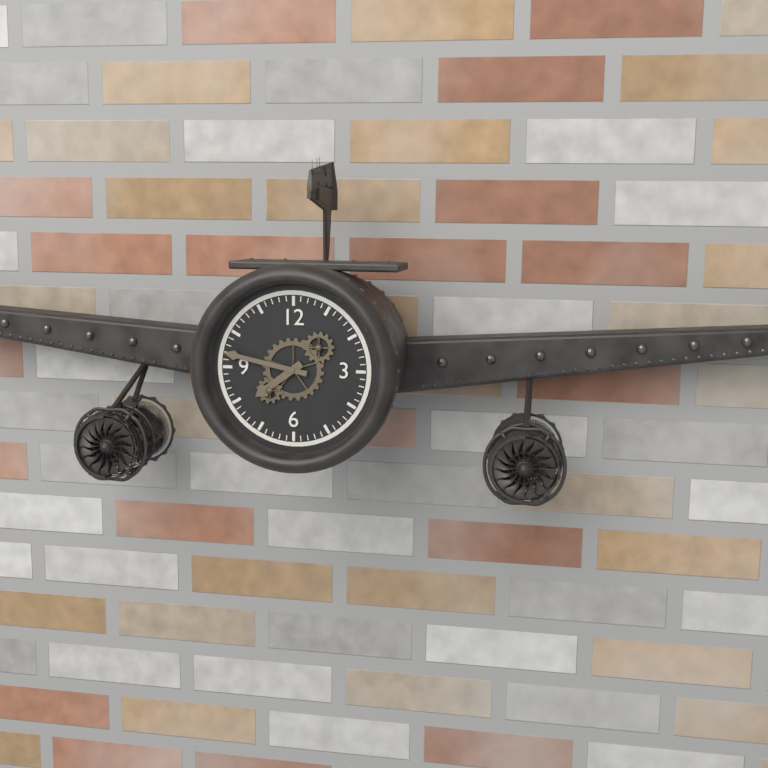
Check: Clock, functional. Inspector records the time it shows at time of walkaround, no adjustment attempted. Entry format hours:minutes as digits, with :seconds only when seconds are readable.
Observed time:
7:47
